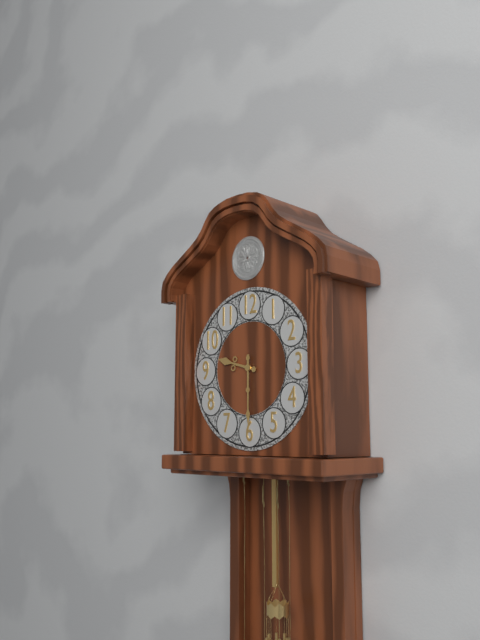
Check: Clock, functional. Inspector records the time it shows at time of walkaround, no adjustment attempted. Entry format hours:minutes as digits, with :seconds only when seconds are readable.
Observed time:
9:30
